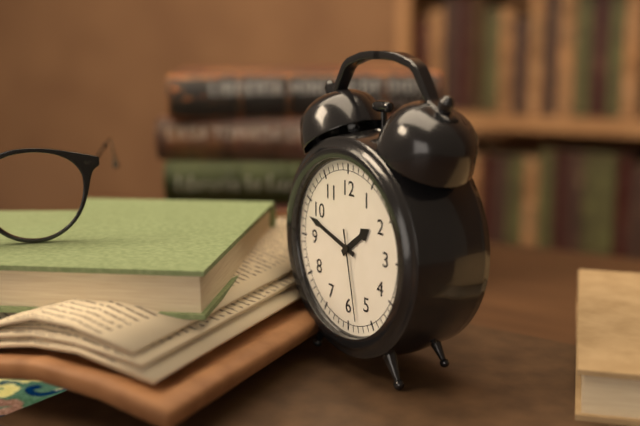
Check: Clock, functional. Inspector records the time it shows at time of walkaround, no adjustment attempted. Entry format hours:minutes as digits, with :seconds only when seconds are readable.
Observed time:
1:48:28
